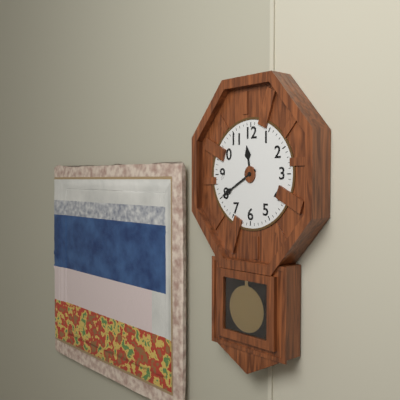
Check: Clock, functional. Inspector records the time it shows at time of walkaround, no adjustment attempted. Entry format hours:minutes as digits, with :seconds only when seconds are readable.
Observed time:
11:40
